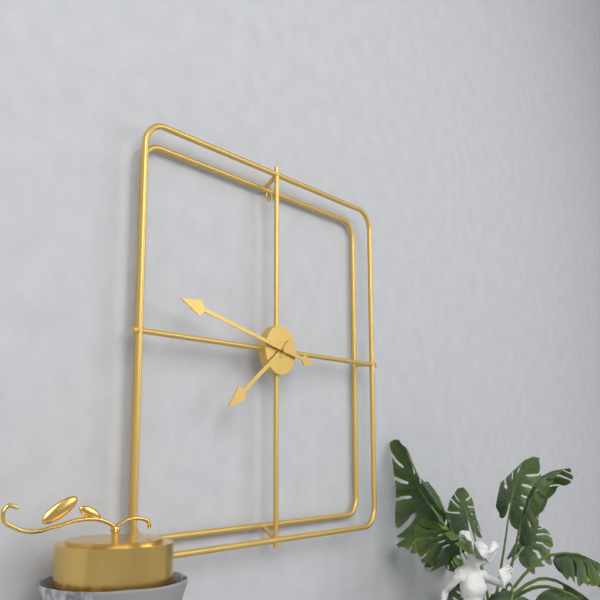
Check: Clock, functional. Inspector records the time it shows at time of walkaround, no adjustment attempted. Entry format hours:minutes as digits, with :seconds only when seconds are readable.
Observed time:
7:47
